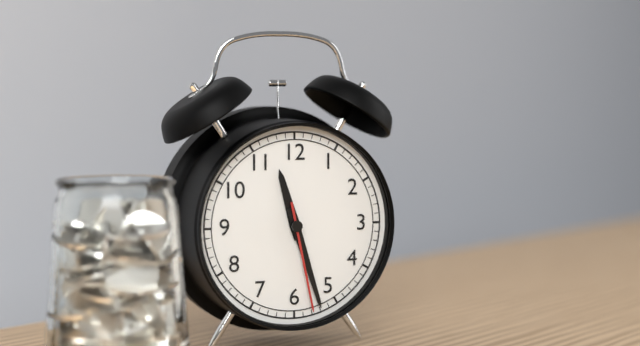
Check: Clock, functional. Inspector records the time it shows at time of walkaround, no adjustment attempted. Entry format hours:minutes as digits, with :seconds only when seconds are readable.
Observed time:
11:27:28
